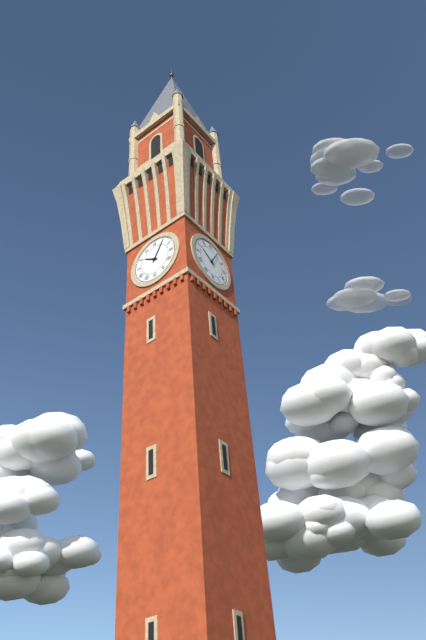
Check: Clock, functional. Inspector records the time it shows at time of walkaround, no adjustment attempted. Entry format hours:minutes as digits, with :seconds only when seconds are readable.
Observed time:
10:05
